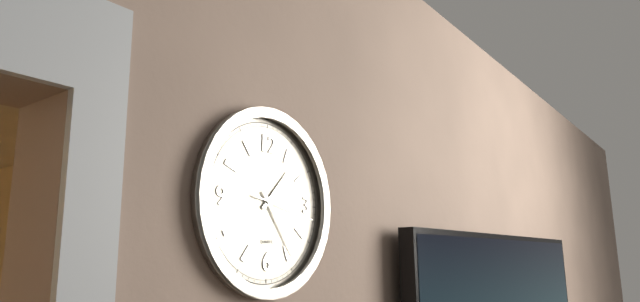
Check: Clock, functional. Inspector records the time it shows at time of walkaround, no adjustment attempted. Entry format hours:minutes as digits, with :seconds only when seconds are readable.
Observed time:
1:24:17
